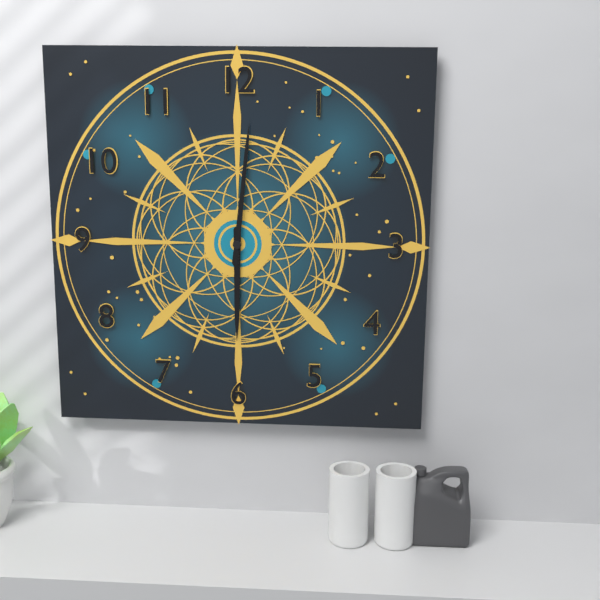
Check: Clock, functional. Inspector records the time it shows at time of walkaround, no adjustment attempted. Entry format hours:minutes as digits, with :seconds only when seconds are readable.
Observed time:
6:01
